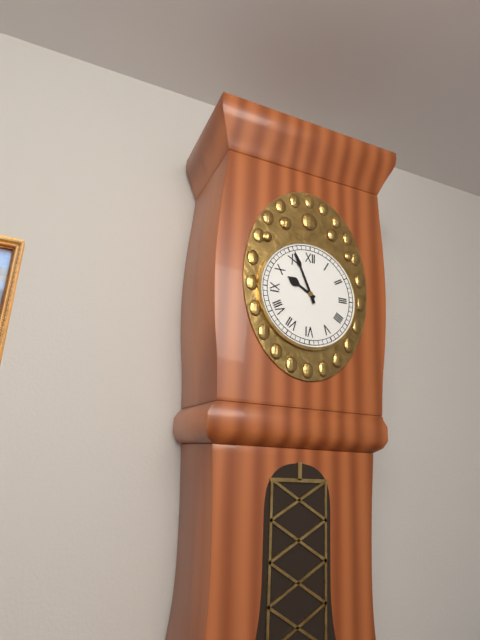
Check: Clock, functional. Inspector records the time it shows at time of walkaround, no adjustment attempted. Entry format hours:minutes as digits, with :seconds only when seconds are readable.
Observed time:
9:56
